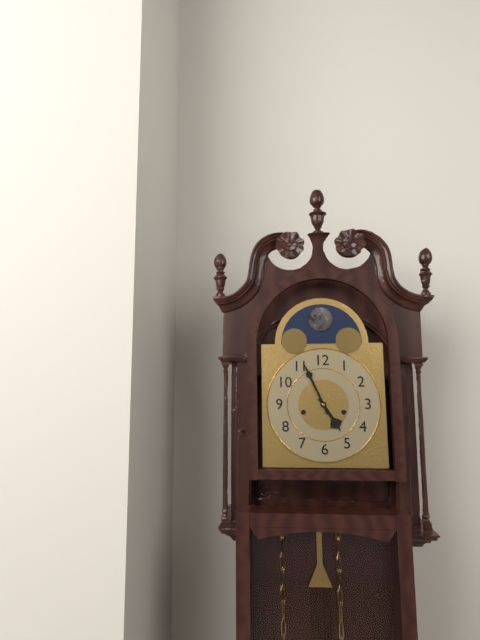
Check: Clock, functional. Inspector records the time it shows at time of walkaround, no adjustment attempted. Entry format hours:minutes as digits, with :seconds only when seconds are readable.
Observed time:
4:56
